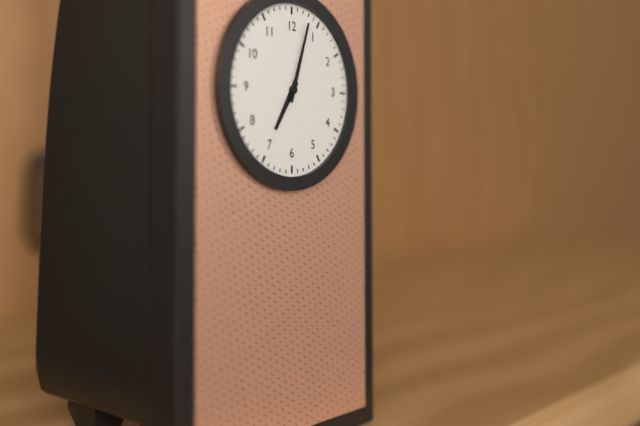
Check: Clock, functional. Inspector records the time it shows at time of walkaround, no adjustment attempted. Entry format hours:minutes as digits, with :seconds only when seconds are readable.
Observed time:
7:03
